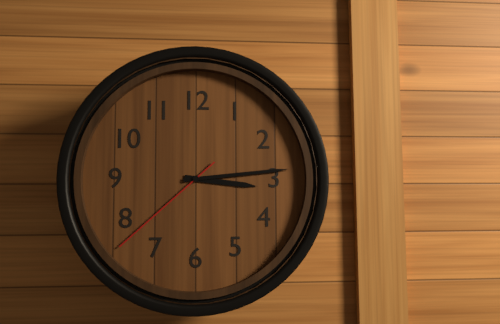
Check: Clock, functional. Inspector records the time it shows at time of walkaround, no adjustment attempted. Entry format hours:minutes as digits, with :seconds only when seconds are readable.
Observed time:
3:14:38
